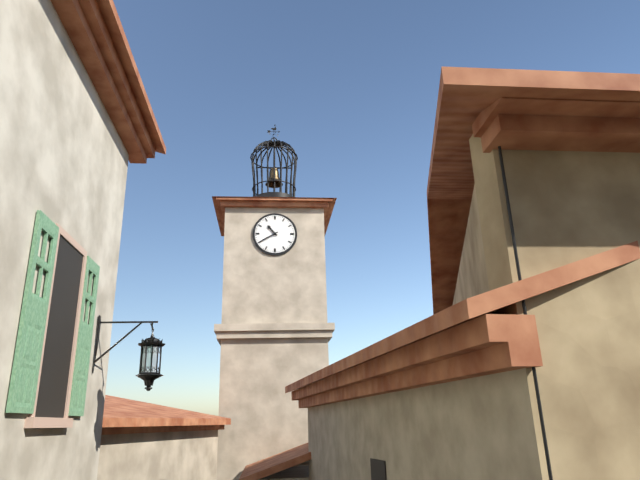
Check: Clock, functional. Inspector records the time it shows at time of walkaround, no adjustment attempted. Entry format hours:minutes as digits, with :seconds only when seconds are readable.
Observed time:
10:40
